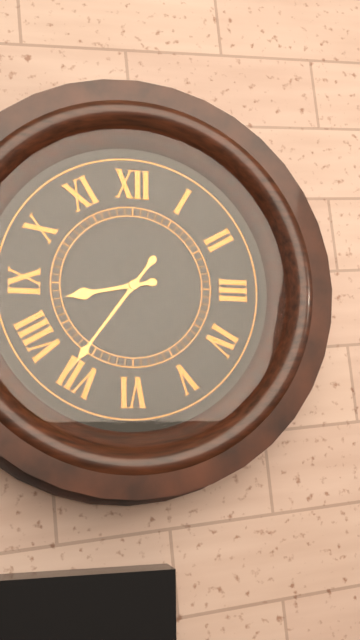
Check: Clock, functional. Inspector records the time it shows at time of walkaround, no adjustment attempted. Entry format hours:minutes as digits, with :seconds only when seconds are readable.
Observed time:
8:36
